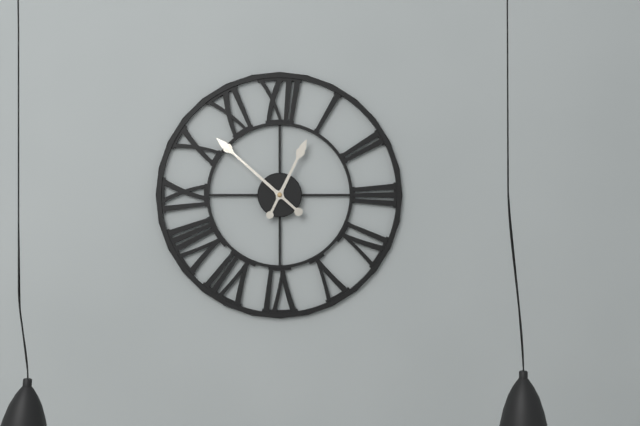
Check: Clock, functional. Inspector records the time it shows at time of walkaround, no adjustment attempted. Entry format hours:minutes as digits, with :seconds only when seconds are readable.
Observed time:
12:52
